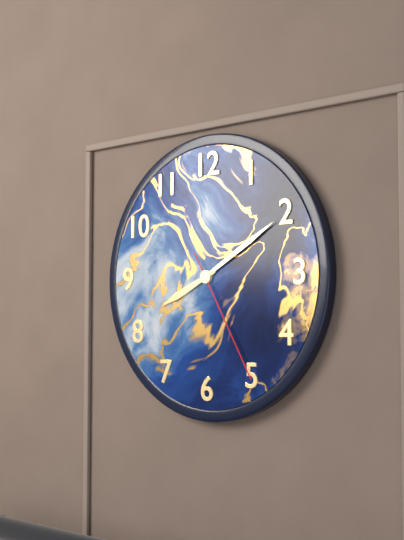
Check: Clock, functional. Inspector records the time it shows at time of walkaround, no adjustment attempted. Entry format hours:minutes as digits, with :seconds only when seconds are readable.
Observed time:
8:10:25
